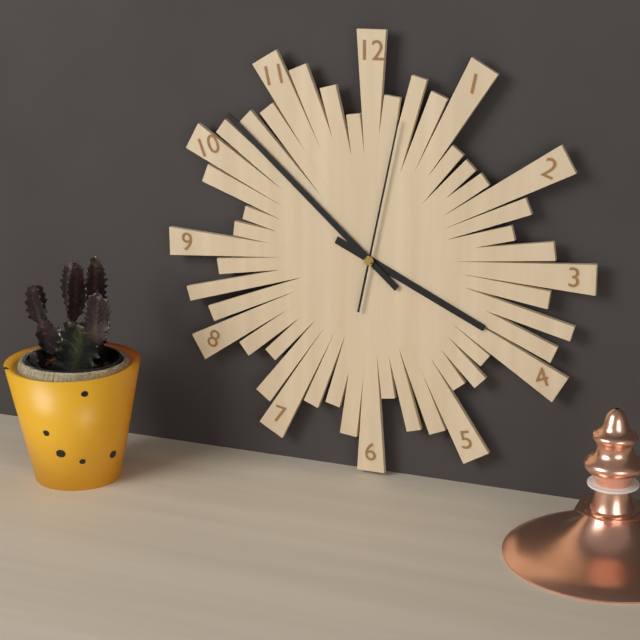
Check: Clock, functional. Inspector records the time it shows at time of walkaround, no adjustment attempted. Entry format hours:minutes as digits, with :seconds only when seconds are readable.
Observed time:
3:52:02
